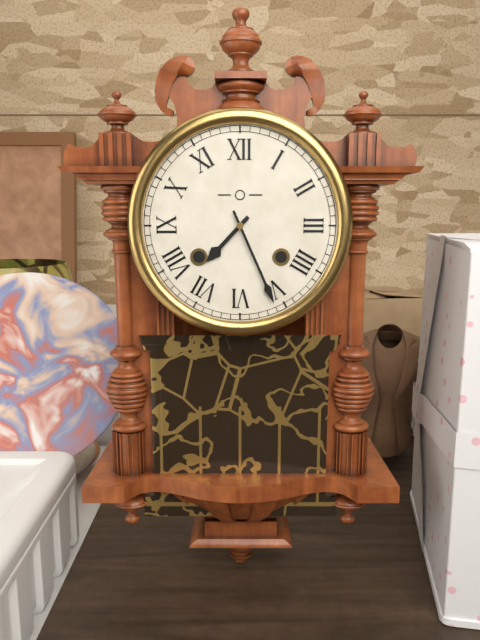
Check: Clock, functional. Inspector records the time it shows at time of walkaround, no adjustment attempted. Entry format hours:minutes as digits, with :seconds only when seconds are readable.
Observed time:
7:26
